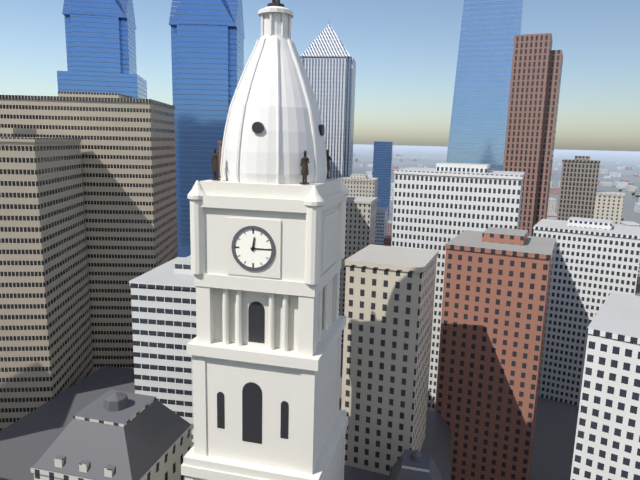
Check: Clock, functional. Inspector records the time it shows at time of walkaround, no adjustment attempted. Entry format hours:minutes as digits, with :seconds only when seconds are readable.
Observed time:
12:15
